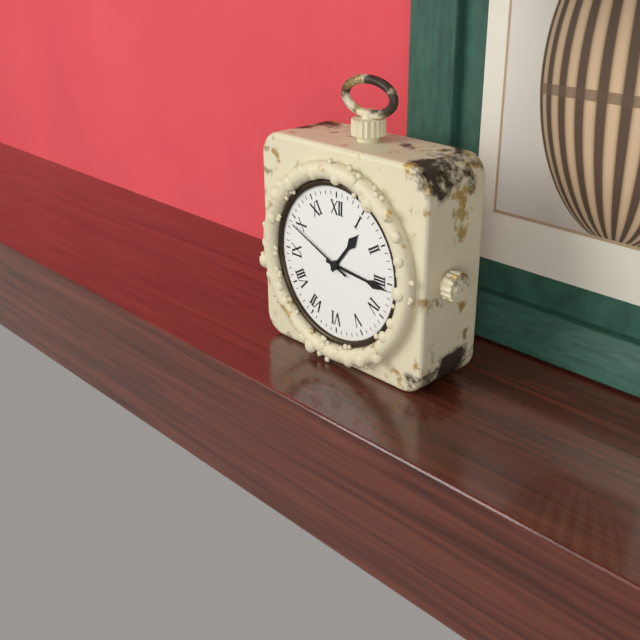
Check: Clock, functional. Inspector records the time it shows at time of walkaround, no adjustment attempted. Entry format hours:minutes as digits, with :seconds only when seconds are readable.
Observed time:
1:16:49
